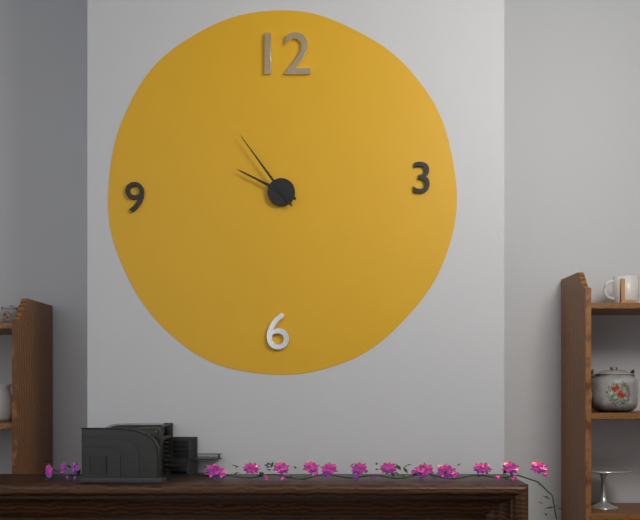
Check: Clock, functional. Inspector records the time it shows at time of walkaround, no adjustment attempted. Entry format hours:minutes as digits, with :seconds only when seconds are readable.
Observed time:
9:54
